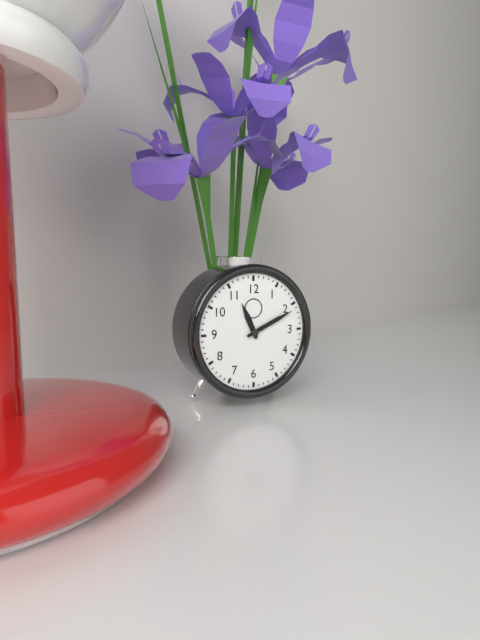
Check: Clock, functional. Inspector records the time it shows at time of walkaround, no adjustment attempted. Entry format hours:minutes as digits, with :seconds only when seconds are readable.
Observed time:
11:11
